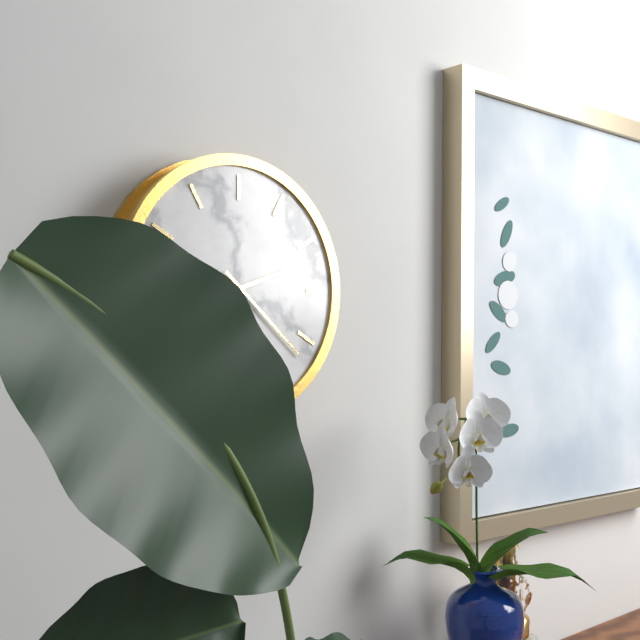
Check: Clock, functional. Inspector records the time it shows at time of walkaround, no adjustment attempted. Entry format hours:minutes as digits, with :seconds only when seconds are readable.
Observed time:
2:22
